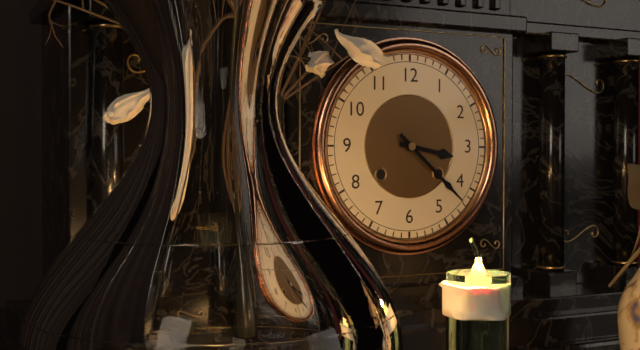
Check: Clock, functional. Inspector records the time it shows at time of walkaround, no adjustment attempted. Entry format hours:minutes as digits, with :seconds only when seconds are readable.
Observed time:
3:22
